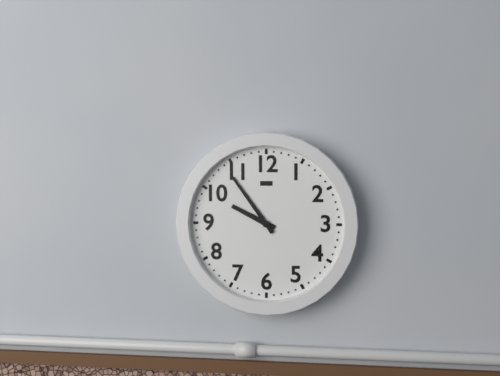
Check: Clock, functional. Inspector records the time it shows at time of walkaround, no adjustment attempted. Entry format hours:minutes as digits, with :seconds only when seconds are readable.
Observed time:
9:54
